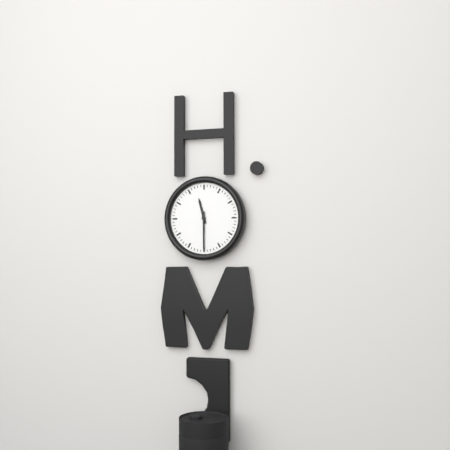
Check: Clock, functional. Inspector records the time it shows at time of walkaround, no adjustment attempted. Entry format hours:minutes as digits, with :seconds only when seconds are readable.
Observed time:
11:30
